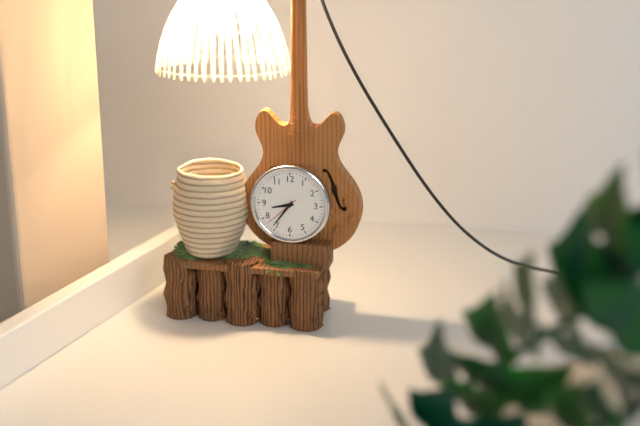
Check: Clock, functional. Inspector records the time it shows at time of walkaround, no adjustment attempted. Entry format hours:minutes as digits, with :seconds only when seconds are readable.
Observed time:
8:36
